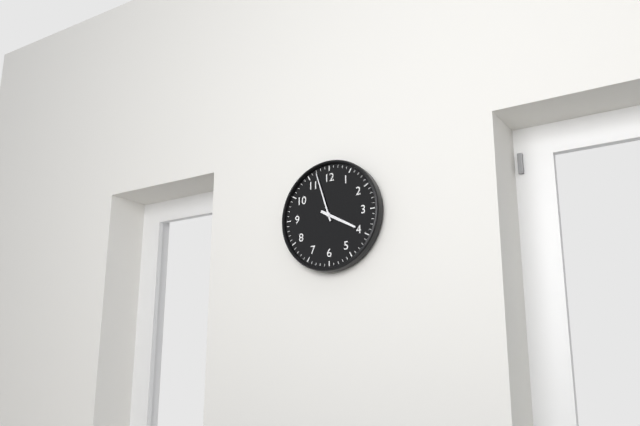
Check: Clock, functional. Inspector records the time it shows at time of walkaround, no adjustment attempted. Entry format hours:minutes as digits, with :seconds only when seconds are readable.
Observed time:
3:57
